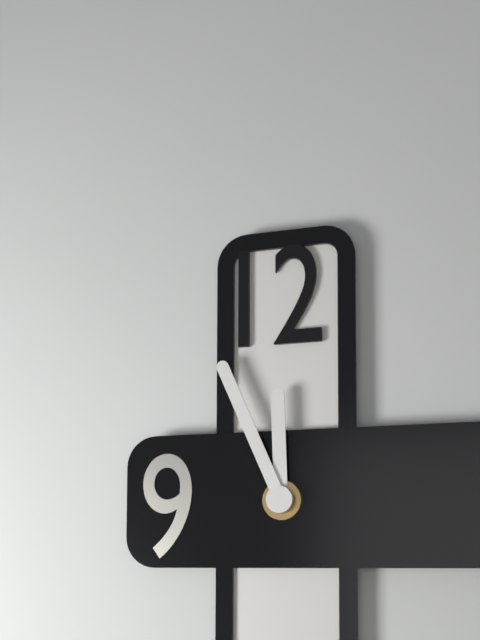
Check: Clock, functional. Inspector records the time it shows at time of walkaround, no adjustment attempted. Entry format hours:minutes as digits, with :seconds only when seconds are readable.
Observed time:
11:56
